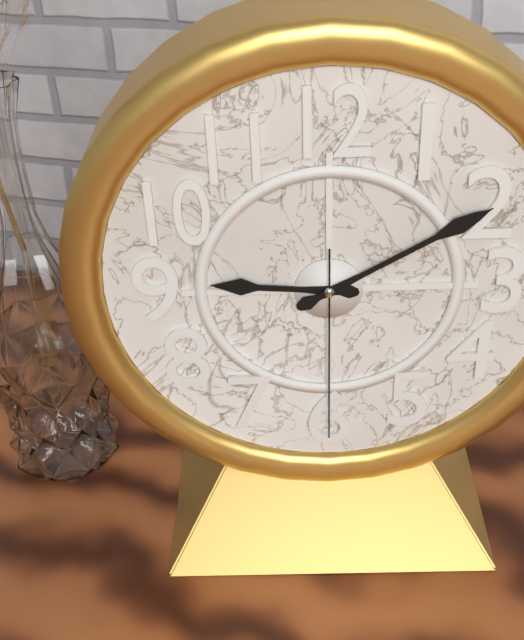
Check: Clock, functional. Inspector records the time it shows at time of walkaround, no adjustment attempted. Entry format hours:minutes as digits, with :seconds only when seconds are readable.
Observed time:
9:10:30
